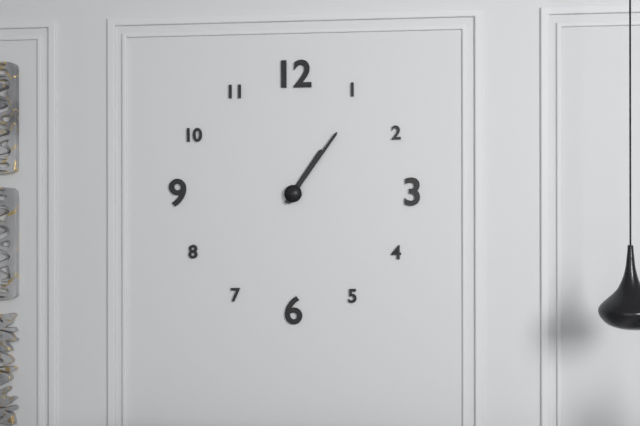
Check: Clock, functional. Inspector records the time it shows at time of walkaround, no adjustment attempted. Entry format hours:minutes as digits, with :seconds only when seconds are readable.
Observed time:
1:06
